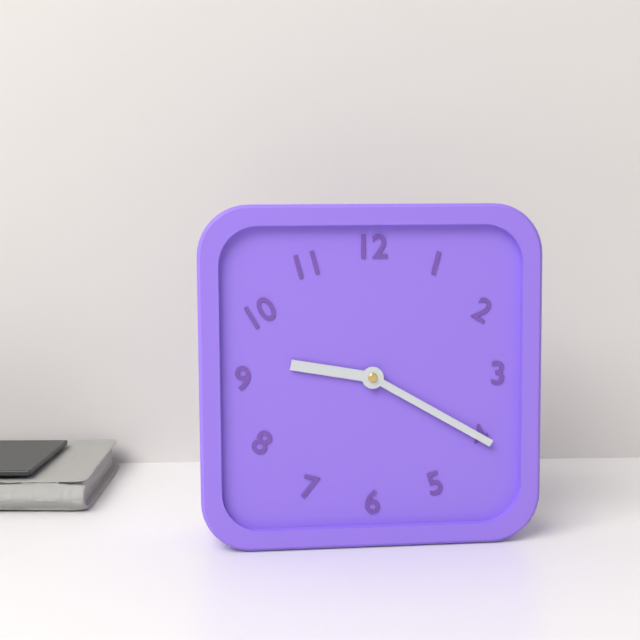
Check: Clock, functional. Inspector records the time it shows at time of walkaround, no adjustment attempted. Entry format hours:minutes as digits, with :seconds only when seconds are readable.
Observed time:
9:20
